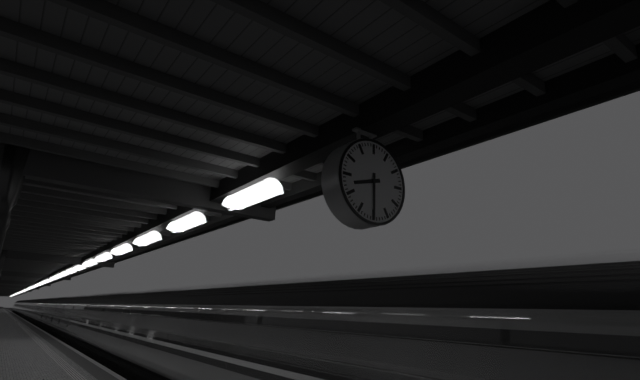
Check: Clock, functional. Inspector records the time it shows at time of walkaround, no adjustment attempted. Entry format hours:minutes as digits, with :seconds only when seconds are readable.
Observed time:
8:30
